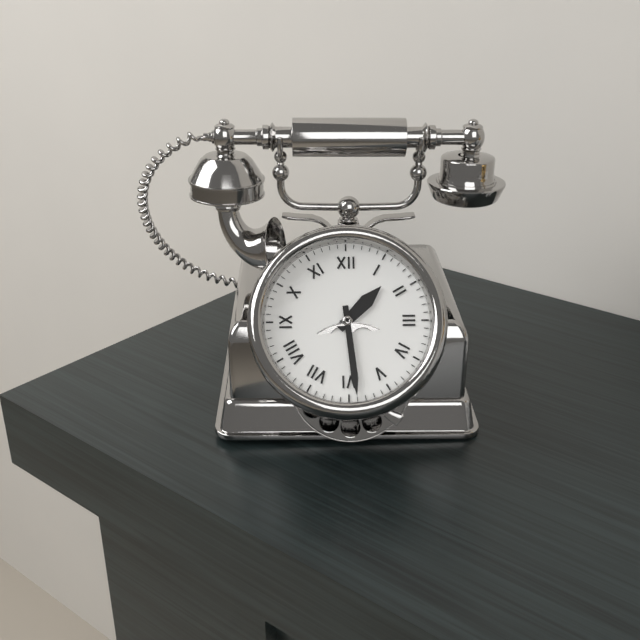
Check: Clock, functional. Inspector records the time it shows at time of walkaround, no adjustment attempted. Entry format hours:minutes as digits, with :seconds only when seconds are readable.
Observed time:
1:29
